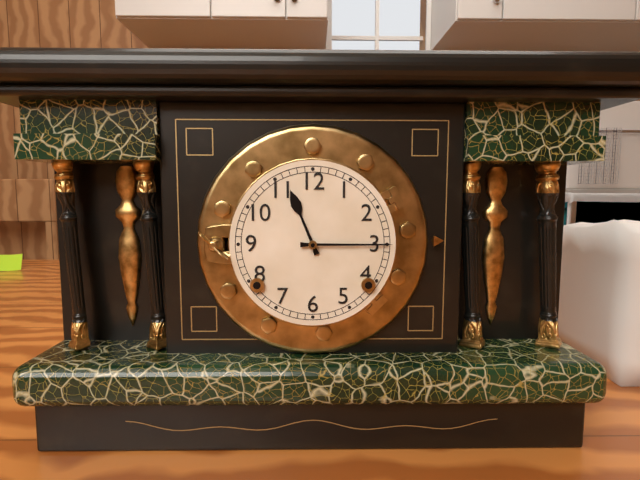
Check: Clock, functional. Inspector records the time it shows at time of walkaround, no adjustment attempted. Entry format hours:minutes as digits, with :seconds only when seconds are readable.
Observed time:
11:15
